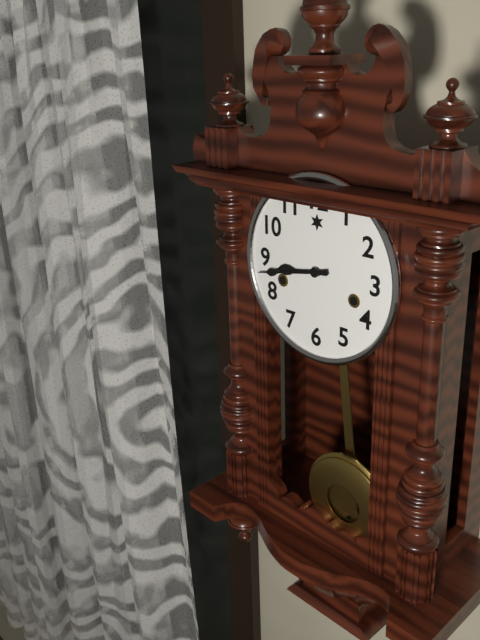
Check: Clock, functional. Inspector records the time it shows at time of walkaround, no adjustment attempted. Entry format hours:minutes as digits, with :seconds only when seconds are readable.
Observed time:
8:43
